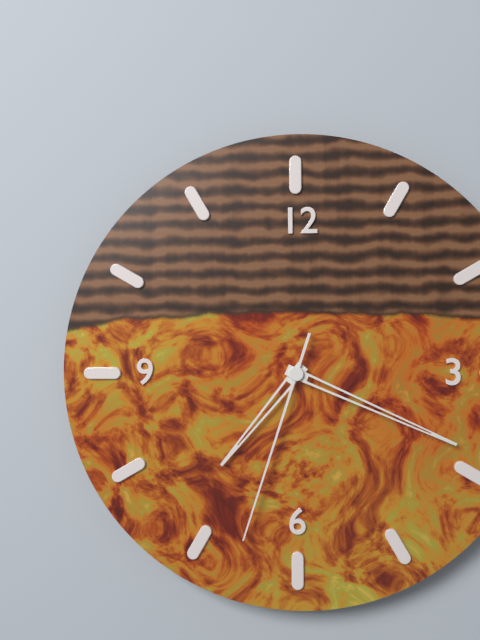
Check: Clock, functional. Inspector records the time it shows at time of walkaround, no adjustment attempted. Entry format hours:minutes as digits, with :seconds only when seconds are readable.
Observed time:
7:19:33
